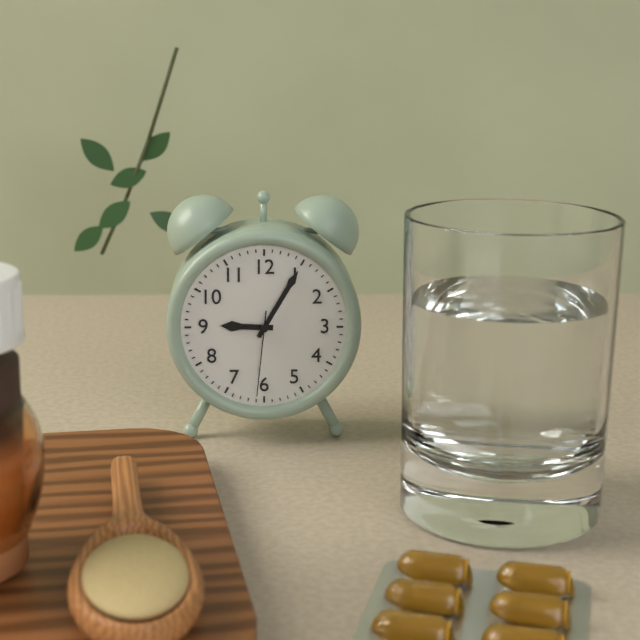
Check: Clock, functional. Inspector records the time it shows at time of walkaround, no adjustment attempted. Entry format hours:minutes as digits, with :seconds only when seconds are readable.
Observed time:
9:05:31
